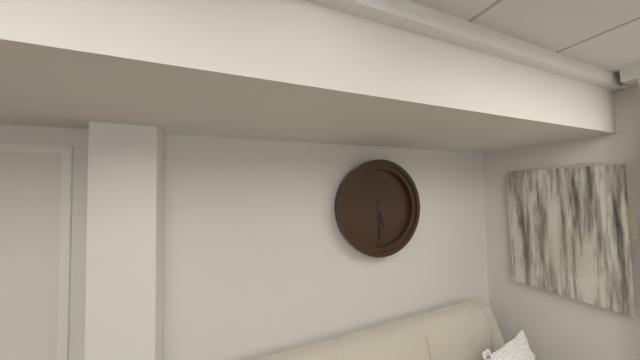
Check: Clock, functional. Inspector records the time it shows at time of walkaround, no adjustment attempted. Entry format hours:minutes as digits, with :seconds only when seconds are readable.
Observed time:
5:30
